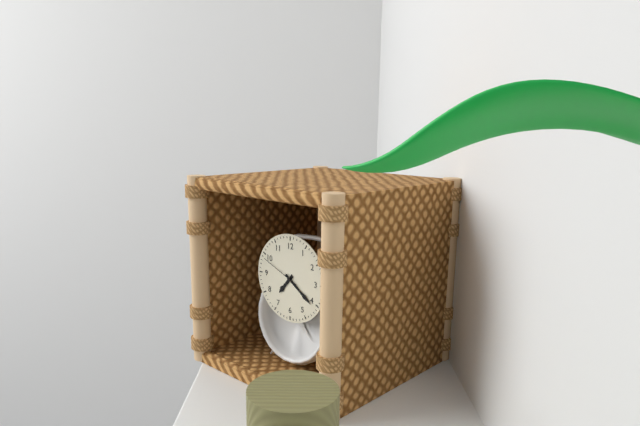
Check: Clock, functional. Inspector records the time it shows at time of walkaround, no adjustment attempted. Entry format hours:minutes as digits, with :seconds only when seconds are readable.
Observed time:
7:21
